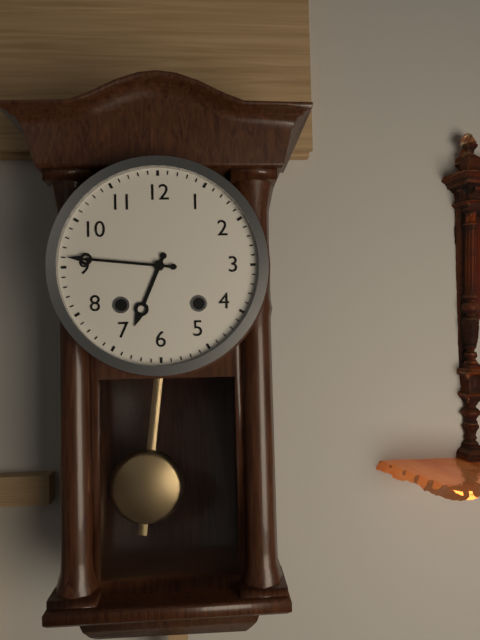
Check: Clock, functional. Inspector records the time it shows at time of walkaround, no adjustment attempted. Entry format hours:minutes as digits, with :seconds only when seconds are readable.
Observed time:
6:46
